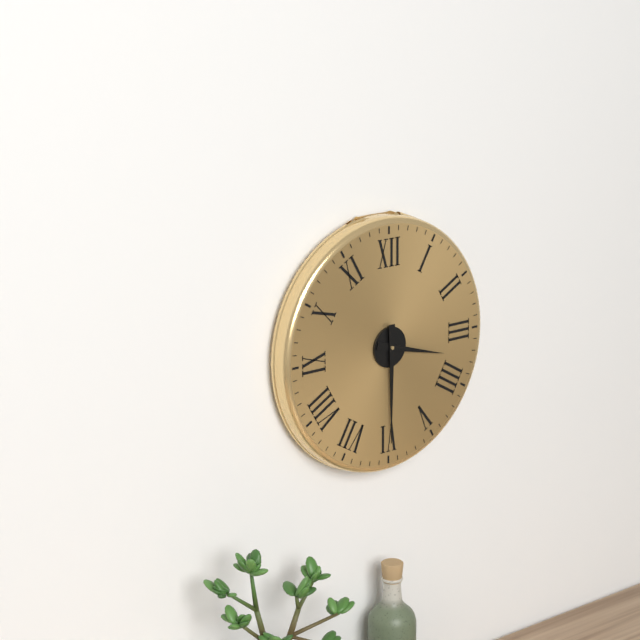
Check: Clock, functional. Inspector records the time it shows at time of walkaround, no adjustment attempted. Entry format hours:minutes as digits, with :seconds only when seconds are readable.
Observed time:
3:30
